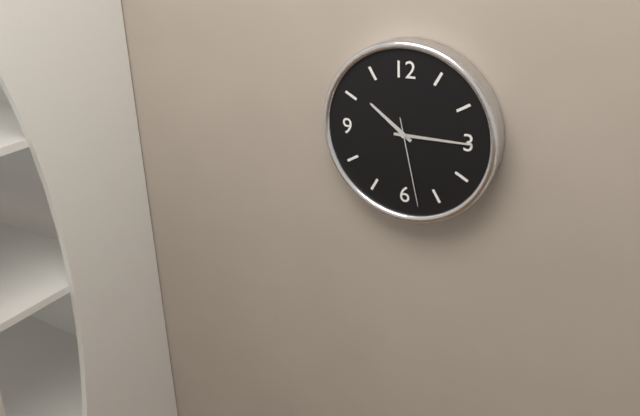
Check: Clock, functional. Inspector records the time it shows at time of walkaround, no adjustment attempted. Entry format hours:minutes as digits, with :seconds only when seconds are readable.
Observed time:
10:15:28
